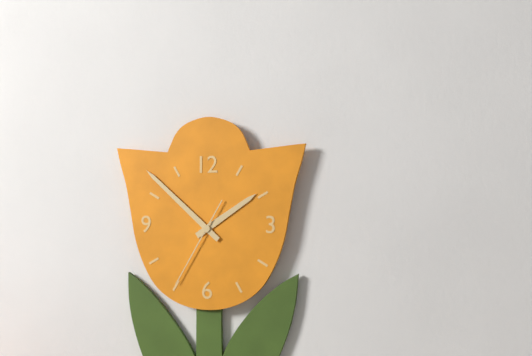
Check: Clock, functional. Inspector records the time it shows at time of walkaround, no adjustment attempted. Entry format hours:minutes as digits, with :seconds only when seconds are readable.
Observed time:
1:52:35
